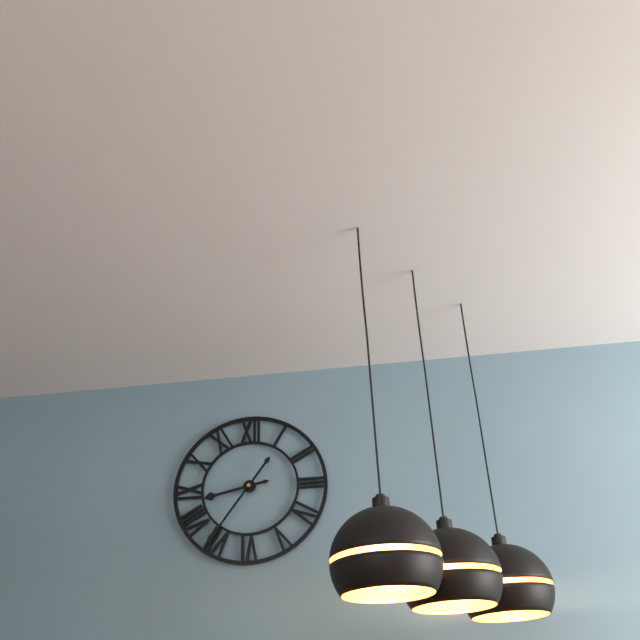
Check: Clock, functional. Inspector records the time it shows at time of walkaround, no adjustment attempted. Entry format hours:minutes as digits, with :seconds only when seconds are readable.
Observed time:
8:36
